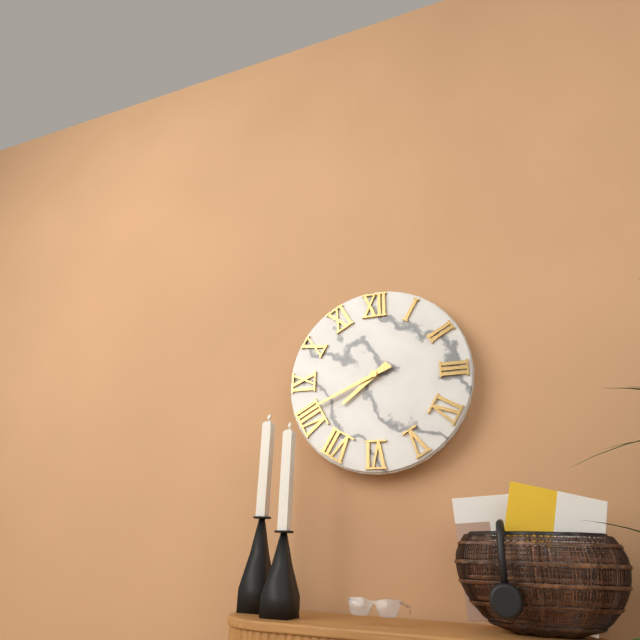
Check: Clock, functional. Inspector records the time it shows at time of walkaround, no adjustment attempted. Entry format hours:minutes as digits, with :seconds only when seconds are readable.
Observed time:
7:41
